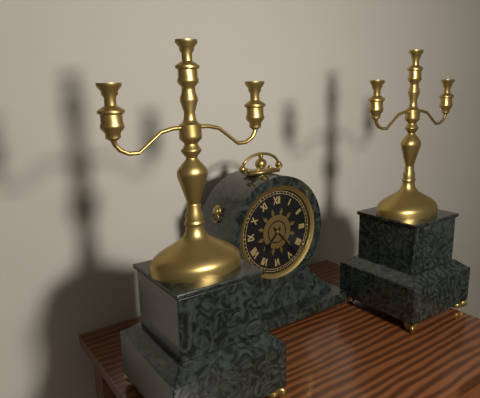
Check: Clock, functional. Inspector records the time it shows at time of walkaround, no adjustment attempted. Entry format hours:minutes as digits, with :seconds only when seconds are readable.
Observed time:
7:23
